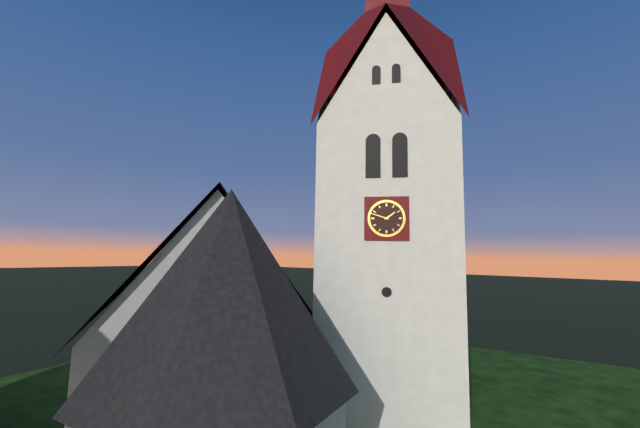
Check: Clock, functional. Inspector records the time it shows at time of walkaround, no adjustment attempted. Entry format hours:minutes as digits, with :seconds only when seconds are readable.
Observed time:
1:48
